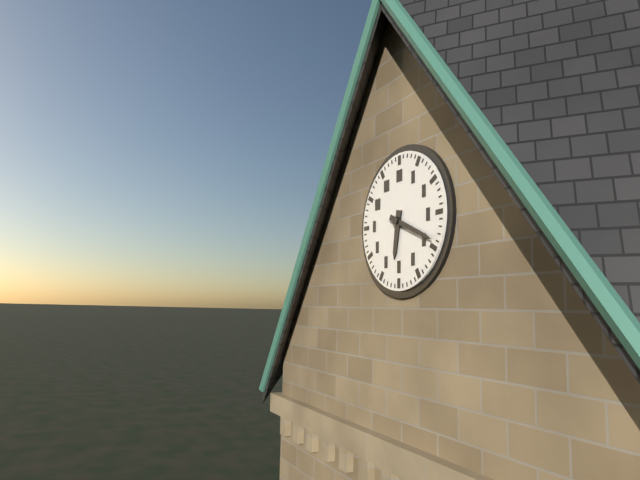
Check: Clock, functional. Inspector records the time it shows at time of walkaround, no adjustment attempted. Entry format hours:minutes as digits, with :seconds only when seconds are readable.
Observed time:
6:19
